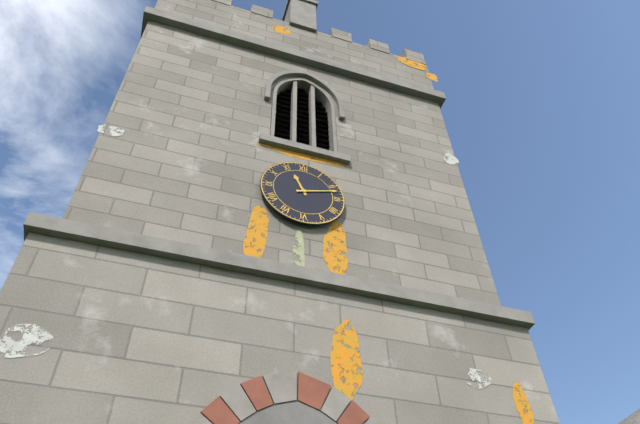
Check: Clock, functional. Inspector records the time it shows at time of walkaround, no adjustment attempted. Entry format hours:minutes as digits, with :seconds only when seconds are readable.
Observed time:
11:12
